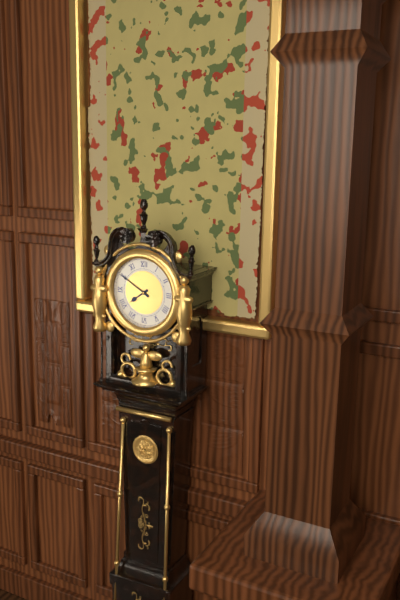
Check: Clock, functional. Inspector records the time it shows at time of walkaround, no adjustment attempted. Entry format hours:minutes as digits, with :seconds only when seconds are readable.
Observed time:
7:50
